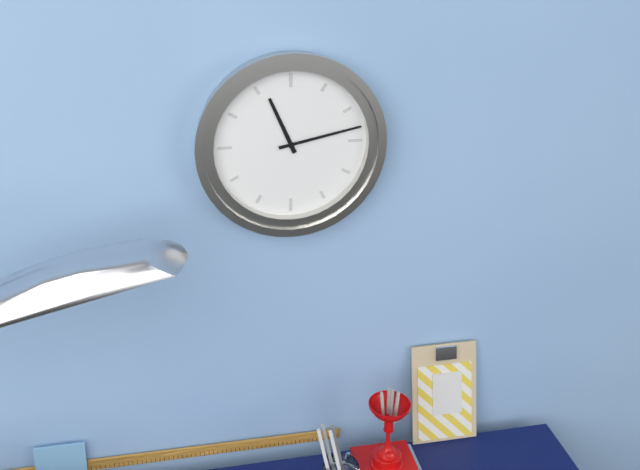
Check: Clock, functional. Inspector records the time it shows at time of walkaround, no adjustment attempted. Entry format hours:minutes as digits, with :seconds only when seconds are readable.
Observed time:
11:13
